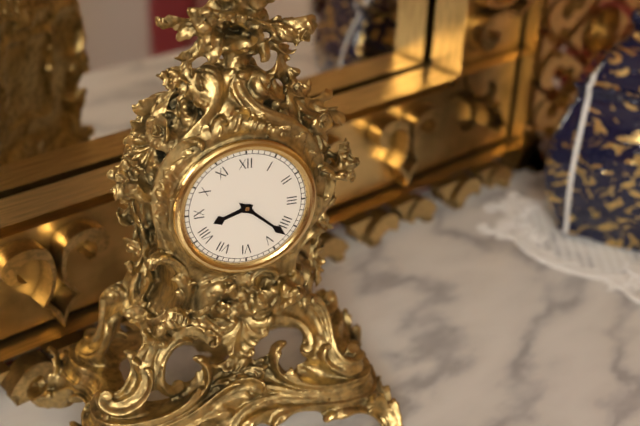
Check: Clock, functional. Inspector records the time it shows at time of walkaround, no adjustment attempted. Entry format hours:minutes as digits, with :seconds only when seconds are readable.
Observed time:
8:22
